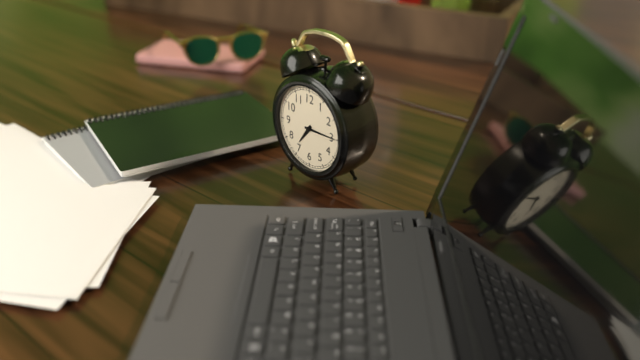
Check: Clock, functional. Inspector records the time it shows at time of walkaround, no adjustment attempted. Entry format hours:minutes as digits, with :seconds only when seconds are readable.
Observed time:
7:15
